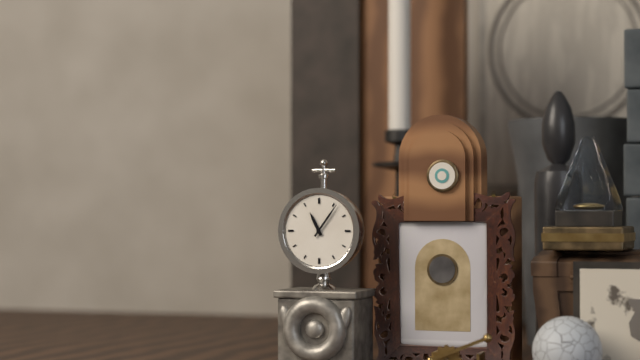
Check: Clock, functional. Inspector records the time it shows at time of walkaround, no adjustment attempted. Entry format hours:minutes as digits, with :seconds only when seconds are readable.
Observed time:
11:06
